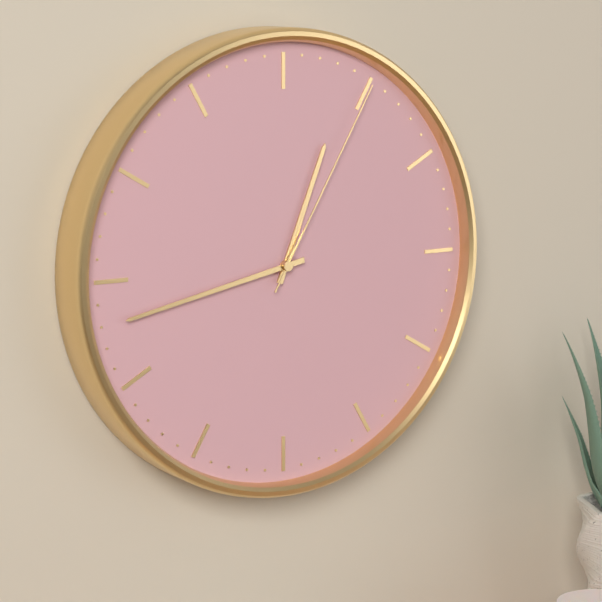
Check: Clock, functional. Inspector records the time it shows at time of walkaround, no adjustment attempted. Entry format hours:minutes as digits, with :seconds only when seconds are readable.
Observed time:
12:43:05
